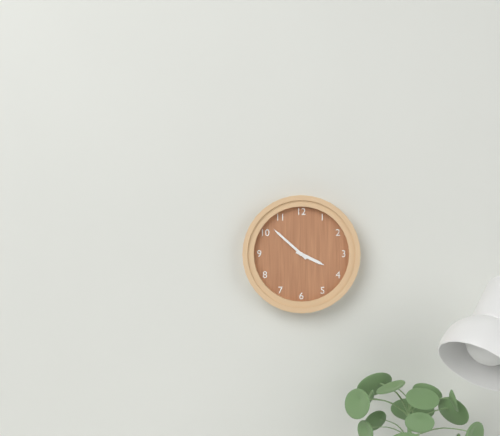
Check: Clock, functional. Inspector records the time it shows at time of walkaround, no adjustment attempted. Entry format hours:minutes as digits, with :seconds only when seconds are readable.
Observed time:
3:52
